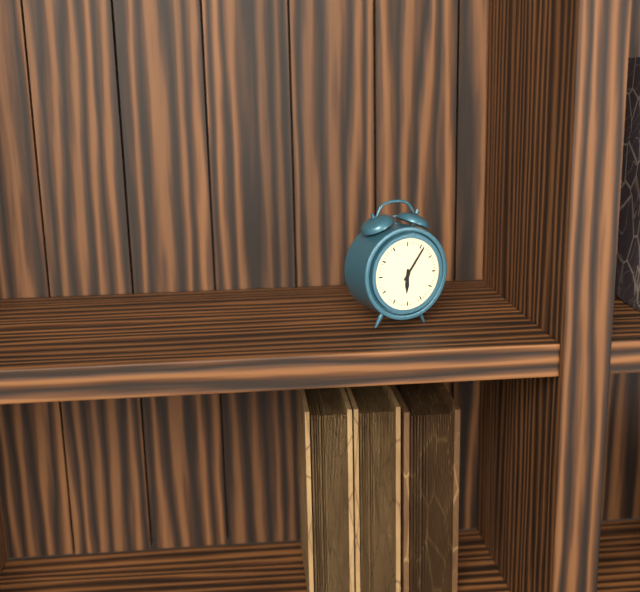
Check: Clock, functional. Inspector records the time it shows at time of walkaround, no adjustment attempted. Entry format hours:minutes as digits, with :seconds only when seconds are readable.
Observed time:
6:06
